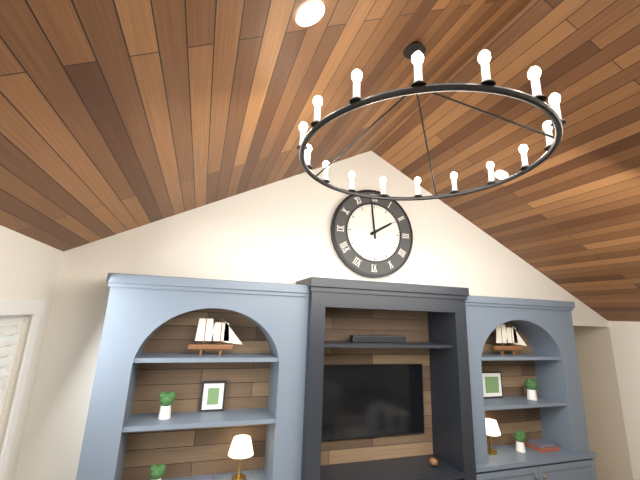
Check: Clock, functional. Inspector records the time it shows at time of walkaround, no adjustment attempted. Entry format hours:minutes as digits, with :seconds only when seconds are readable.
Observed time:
1:59
